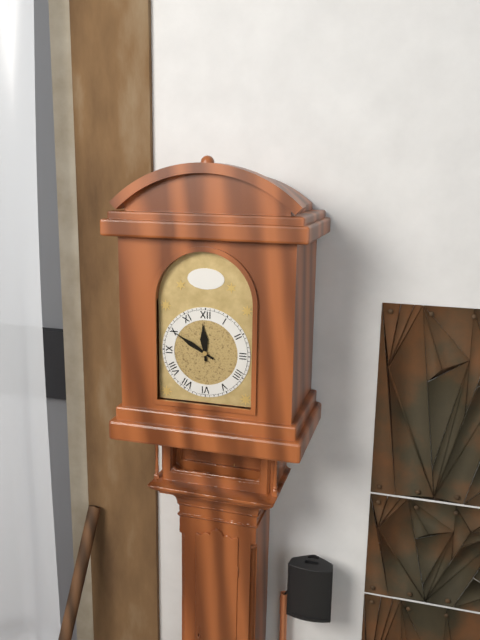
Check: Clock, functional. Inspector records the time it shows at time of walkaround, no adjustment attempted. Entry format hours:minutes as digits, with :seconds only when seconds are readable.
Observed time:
11:50
